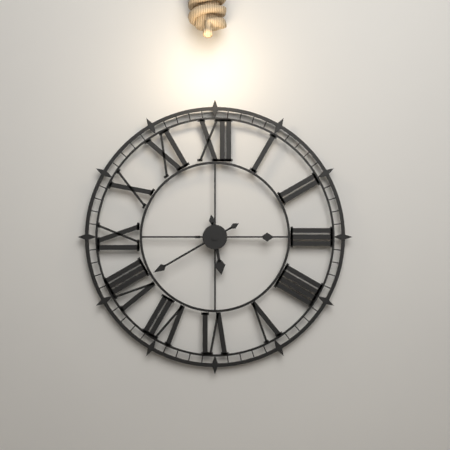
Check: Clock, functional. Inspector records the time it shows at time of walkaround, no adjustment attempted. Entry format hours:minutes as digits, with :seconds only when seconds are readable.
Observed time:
5:40:15
